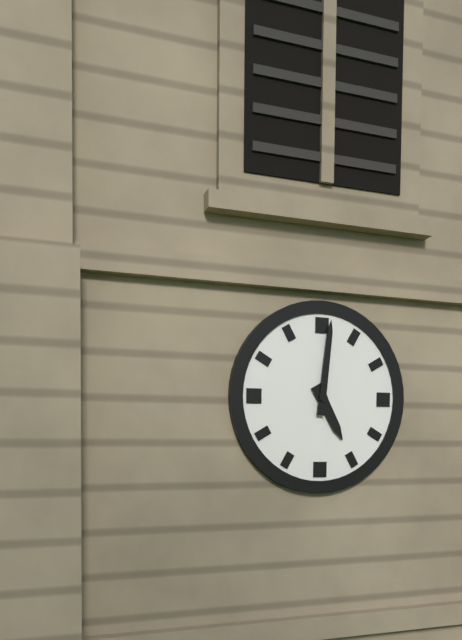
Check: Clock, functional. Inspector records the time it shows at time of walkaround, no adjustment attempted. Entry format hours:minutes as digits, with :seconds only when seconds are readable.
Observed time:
5:01
